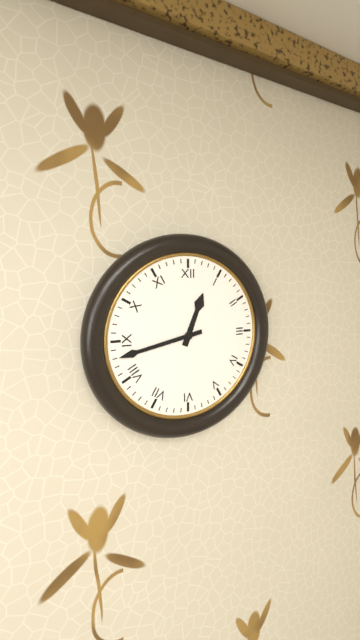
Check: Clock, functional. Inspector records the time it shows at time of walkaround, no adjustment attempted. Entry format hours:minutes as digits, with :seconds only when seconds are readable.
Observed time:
12:43
